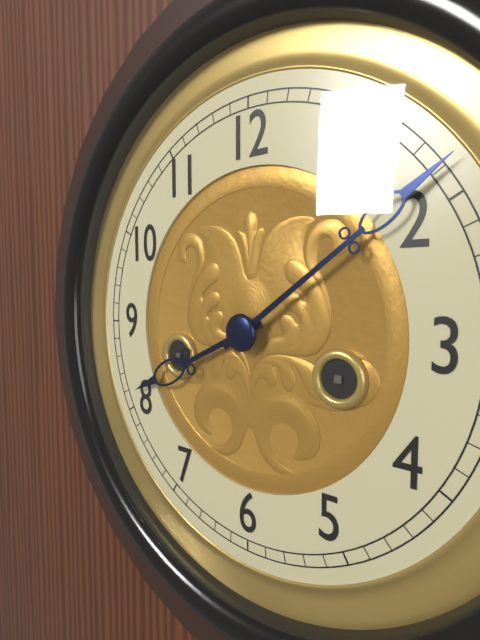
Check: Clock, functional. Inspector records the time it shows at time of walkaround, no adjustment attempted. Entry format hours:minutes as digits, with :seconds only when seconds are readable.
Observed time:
8:09
